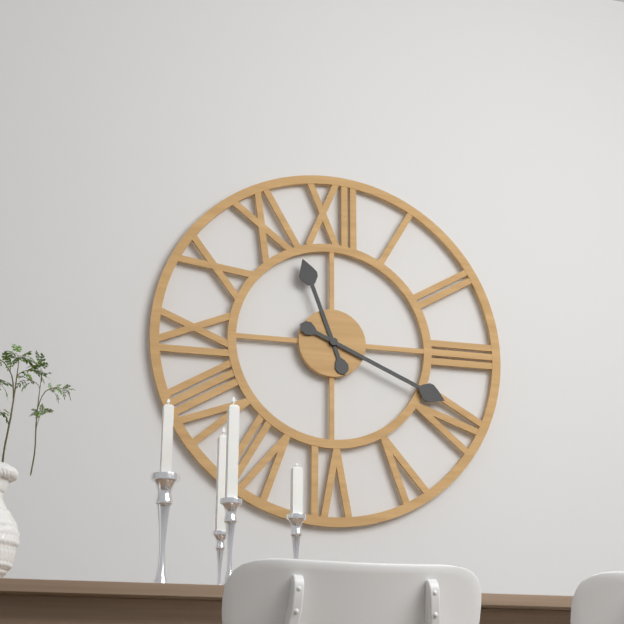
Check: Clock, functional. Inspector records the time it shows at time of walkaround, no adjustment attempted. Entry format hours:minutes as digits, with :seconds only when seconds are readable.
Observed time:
11:19
